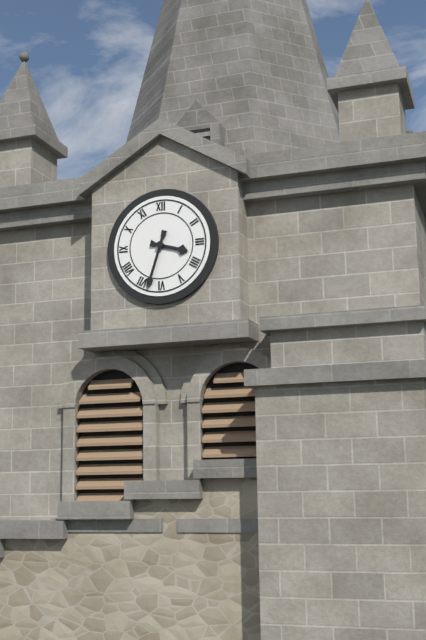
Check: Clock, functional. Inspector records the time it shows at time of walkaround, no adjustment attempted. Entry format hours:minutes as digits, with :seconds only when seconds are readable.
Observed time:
3:33
